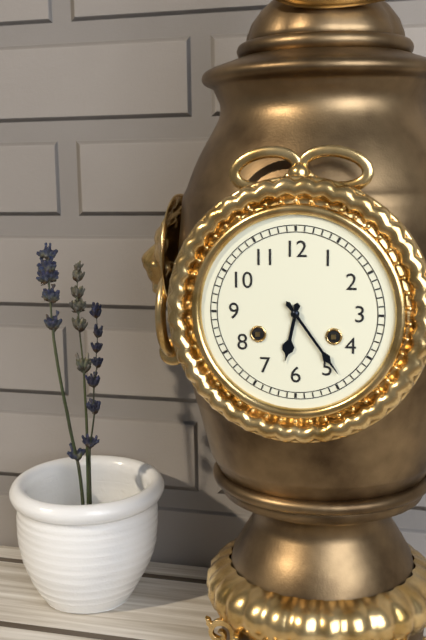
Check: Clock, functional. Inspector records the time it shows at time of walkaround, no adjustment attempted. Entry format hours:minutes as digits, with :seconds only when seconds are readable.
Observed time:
6:24
